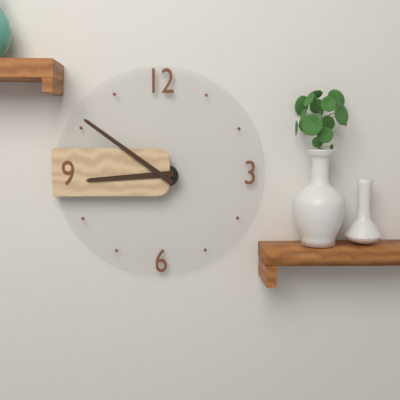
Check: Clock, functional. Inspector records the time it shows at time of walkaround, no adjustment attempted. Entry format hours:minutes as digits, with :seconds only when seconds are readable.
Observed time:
8:51
